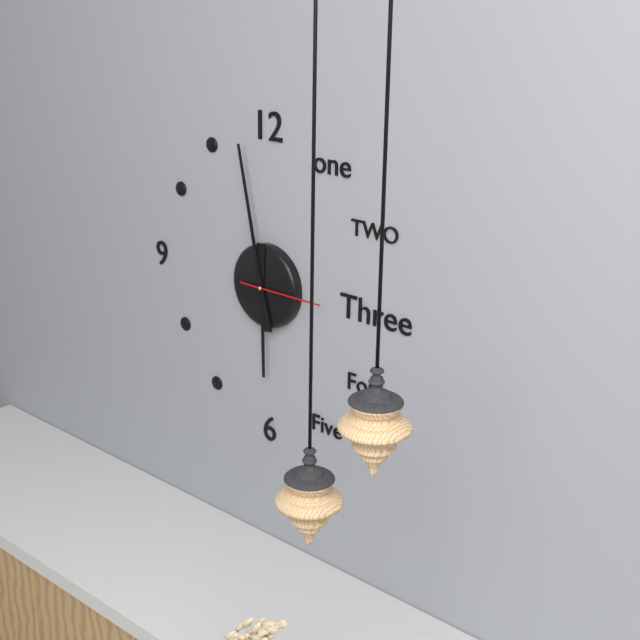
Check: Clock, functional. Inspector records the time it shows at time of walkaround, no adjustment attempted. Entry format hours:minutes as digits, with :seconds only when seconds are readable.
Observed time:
5:58:15
